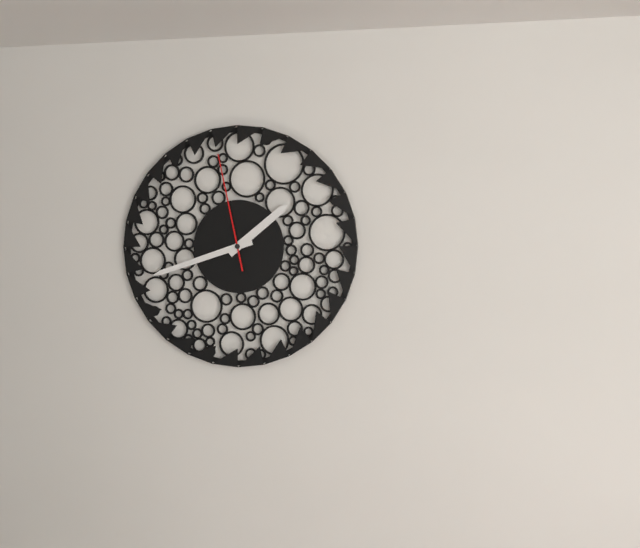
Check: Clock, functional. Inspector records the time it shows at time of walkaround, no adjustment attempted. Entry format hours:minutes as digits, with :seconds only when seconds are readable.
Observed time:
1:42:58
